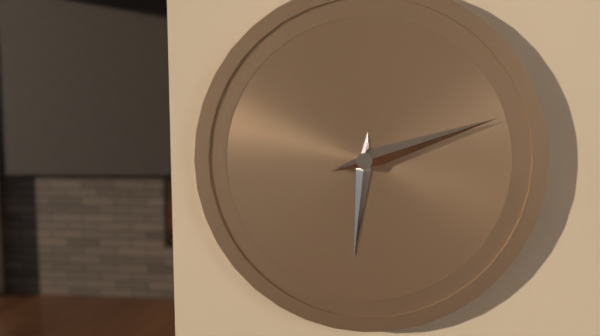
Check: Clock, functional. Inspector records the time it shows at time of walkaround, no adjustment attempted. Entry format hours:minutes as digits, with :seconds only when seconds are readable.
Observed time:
6:12
